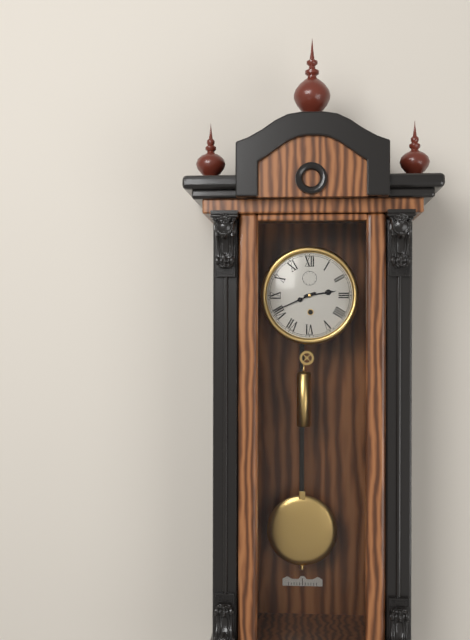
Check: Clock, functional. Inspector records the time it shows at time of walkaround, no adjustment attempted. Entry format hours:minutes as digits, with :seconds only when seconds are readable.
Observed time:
2:41
